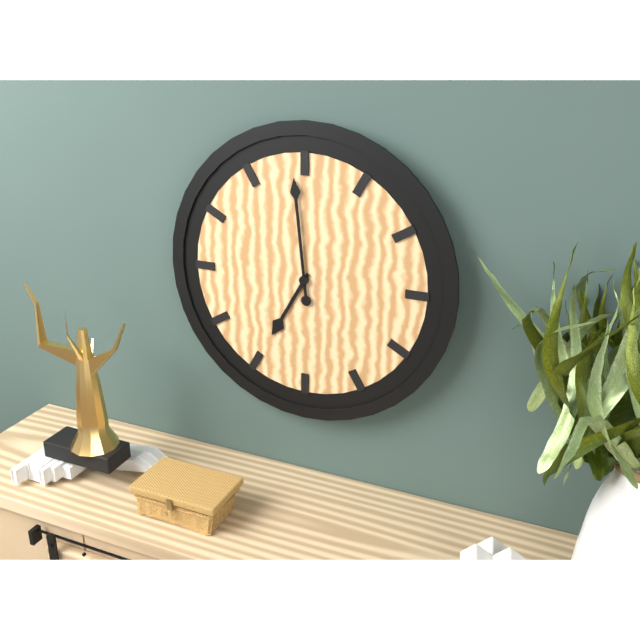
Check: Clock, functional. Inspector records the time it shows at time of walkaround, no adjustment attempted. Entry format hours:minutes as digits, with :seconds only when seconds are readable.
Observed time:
6:59
